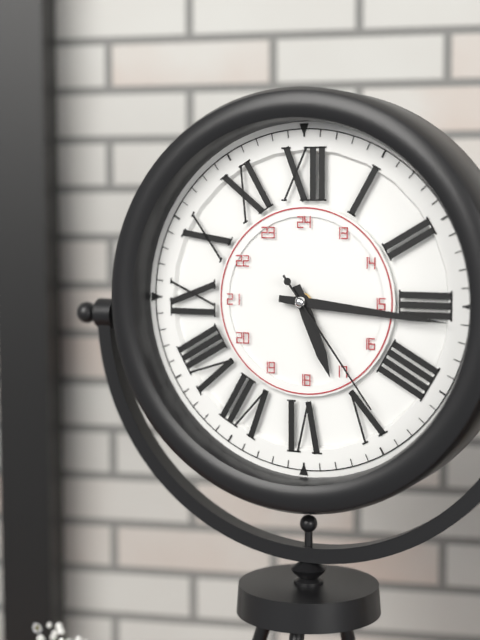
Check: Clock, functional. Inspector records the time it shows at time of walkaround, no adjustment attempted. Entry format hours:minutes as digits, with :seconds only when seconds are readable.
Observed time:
5:16:24
